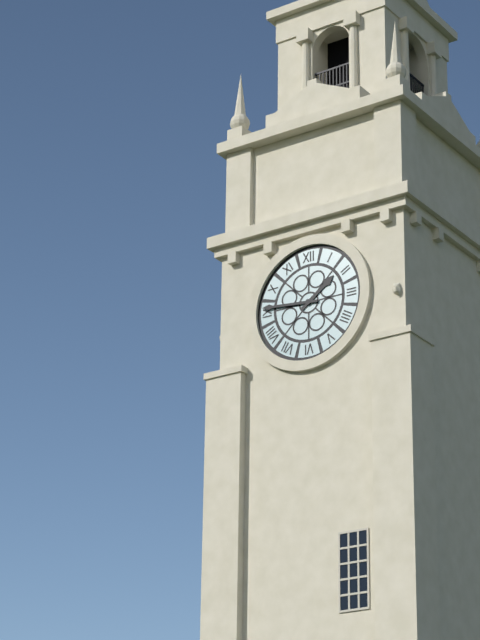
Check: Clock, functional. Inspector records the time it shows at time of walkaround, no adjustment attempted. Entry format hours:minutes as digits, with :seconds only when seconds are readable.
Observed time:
1:46
